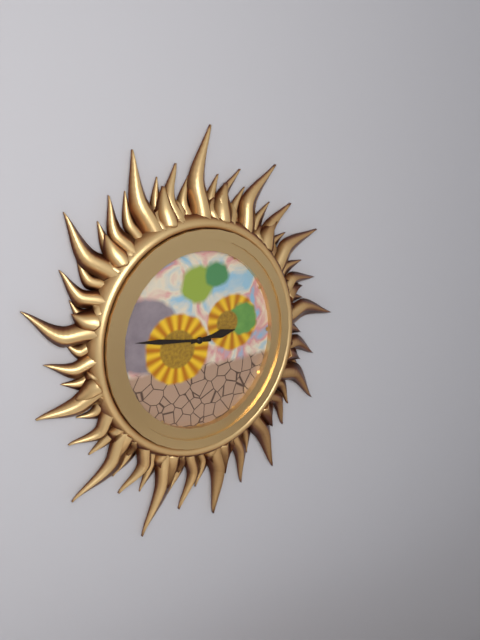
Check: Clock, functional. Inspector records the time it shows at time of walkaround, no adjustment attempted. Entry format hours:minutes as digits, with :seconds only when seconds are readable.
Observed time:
2:46
